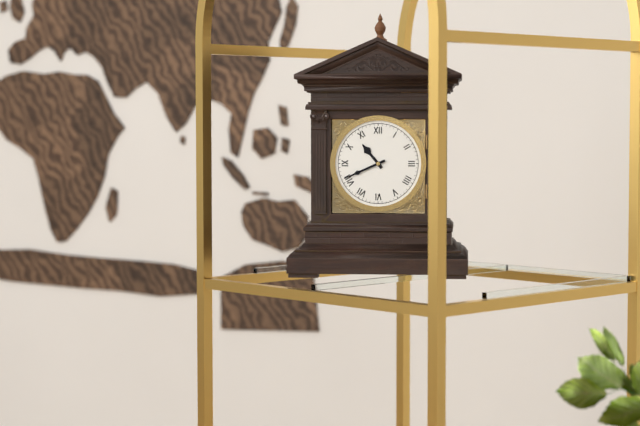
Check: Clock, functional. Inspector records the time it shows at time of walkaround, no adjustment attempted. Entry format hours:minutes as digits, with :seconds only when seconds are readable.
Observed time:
10:41
